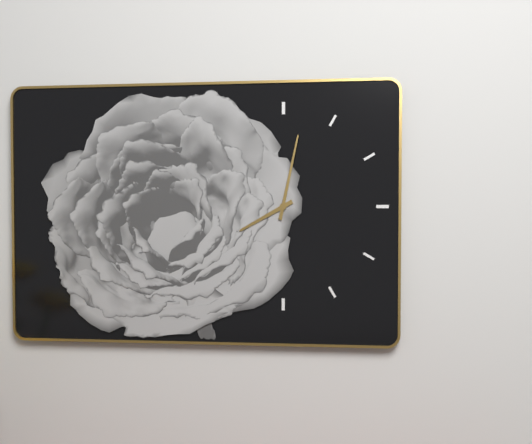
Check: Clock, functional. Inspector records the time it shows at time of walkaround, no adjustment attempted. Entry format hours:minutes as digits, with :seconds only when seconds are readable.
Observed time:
8:02
